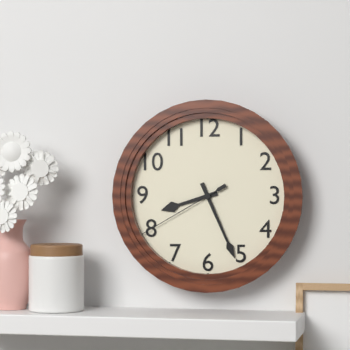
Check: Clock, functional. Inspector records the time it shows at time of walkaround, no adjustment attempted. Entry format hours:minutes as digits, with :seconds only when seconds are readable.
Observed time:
8:26:40
